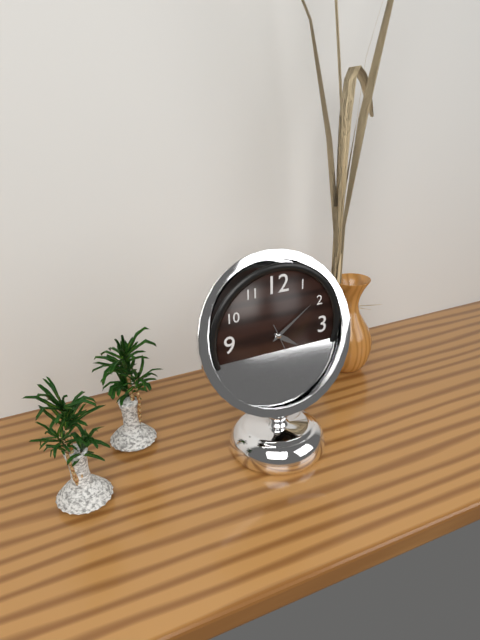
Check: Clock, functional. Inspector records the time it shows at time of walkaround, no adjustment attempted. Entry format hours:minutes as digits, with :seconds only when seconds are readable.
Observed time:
4:09
